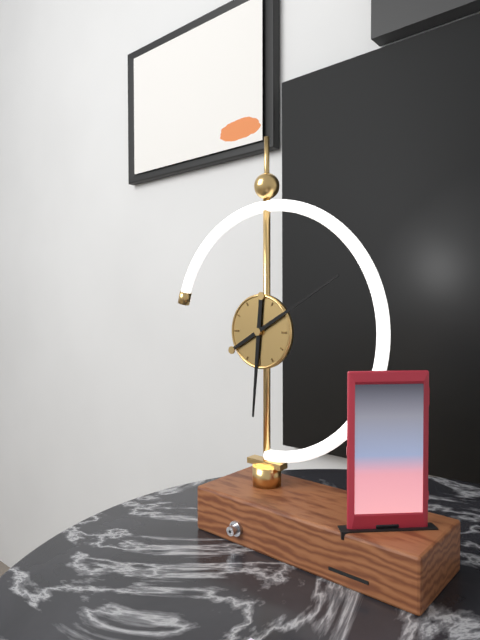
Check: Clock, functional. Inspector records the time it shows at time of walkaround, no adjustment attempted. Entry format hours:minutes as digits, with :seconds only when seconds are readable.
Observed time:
6:10
